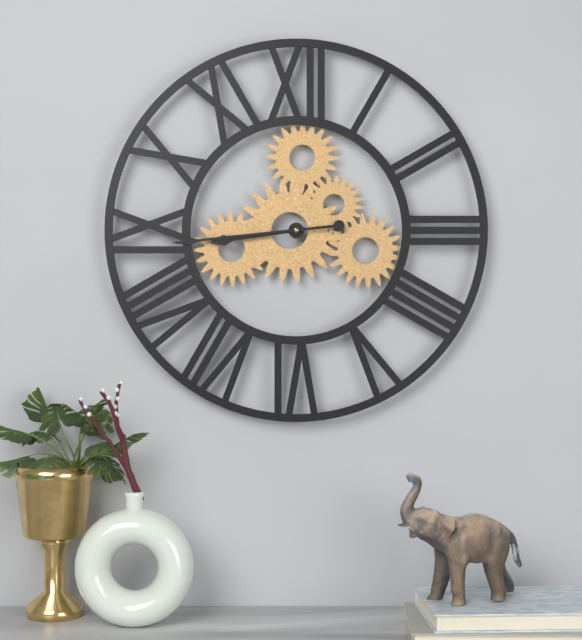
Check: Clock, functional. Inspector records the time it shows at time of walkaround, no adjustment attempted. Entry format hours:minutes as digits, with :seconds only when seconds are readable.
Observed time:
8:44
